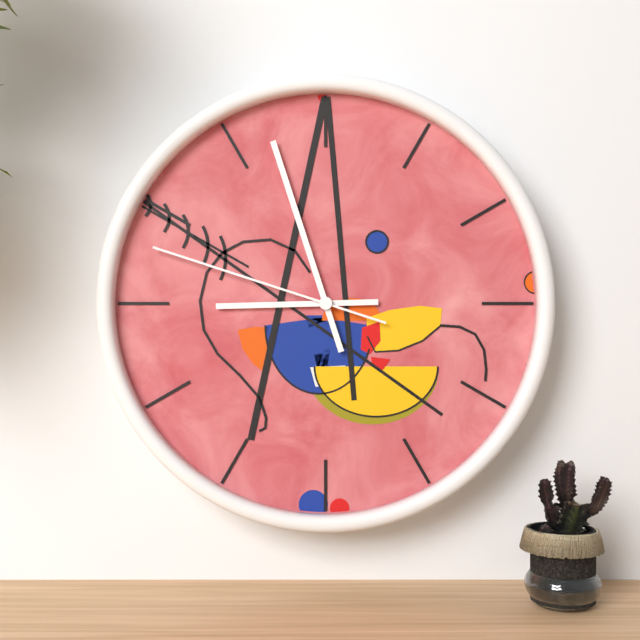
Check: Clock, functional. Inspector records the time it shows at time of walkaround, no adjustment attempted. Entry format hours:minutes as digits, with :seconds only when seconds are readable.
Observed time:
8:57:48
